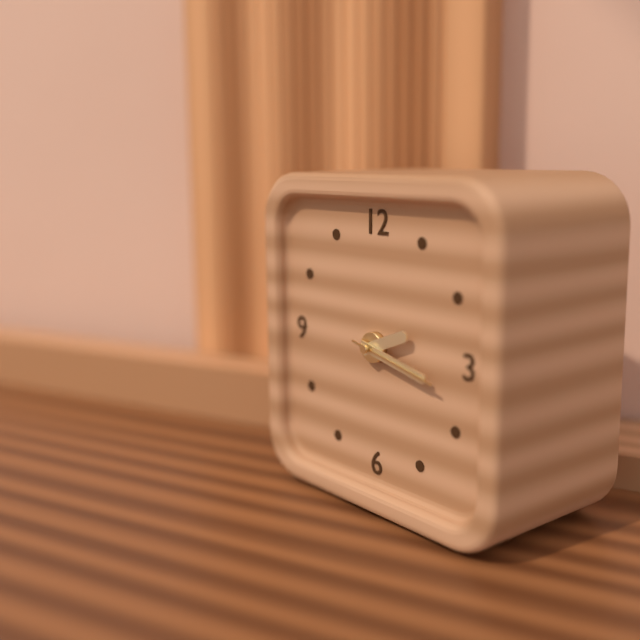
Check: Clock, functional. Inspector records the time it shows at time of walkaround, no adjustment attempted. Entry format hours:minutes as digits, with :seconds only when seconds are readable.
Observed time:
2:17:17
